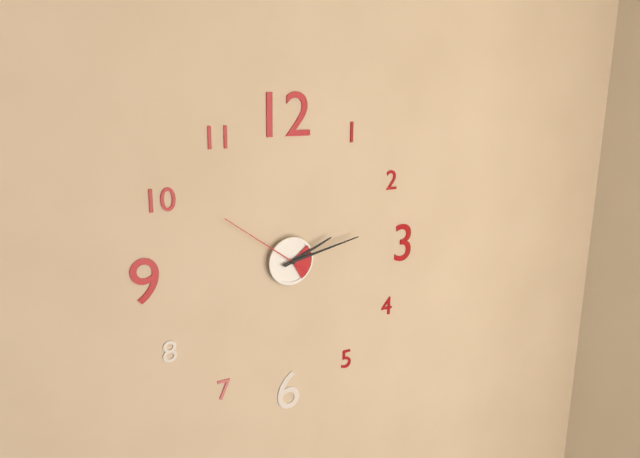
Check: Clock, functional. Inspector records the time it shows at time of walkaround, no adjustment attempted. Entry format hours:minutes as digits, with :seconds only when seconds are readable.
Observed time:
2:13:51
